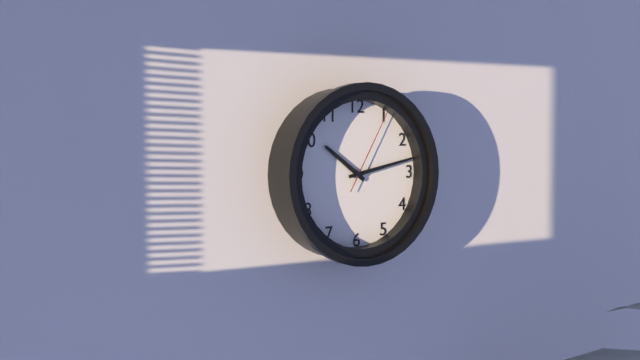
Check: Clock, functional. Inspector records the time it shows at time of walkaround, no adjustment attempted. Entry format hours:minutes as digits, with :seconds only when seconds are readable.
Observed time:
10:13:05
